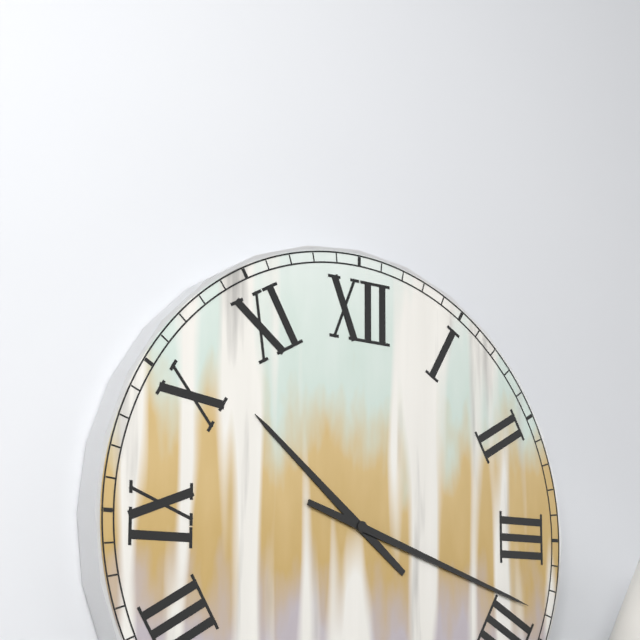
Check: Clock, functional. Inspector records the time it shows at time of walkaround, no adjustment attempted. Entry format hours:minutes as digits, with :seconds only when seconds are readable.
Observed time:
10:18
